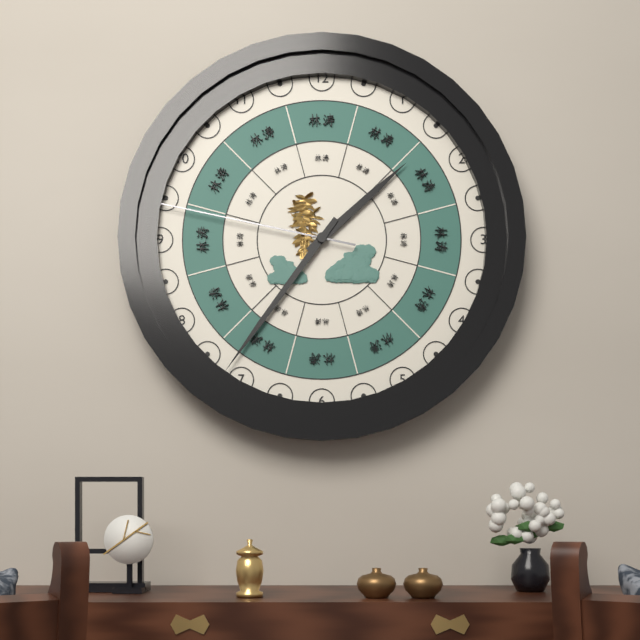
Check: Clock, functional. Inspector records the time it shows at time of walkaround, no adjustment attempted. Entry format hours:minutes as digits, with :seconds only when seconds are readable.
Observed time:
1:36:47
